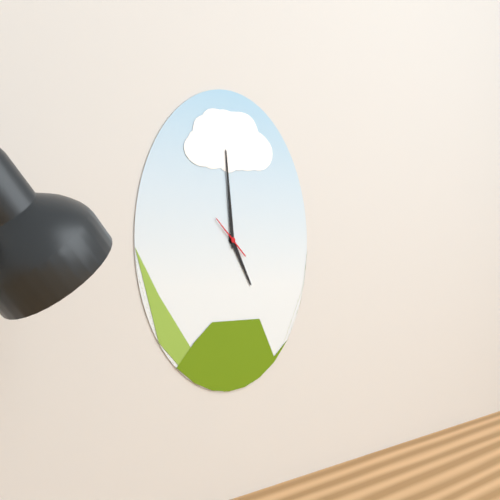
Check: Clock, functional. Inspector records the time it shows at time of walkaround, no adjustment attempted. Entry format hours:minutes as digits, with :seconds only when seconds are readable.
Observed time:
4:59
